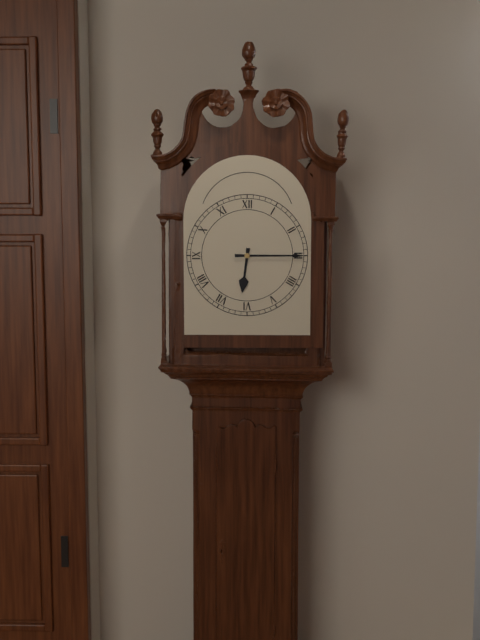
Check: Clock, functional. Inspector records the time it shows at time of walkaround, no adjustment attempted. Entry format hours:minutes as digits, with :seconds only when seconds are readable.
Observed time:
6:15
